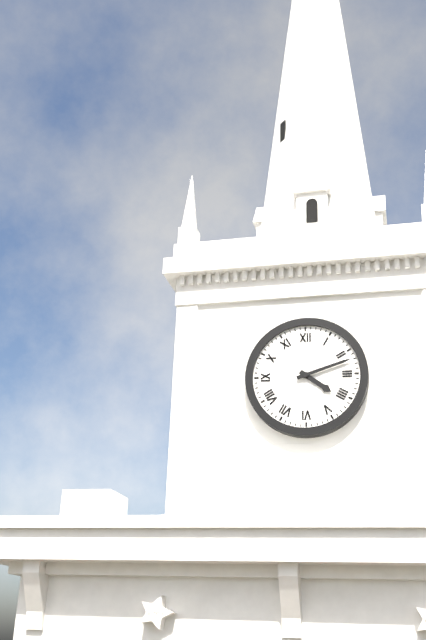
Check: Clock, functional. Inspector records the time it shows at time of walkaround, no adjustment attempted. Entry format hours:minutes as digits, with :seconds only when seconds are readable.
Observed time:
4:12
